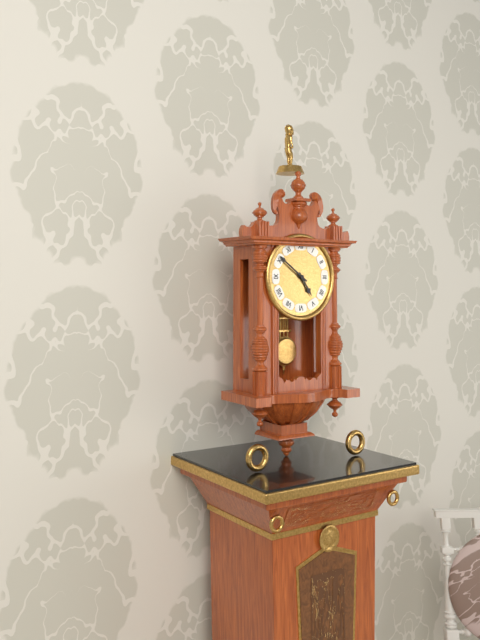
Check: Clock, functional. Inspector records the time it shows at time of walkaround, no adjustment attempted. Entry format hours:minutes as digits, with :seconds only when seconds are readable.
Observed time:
4:51
